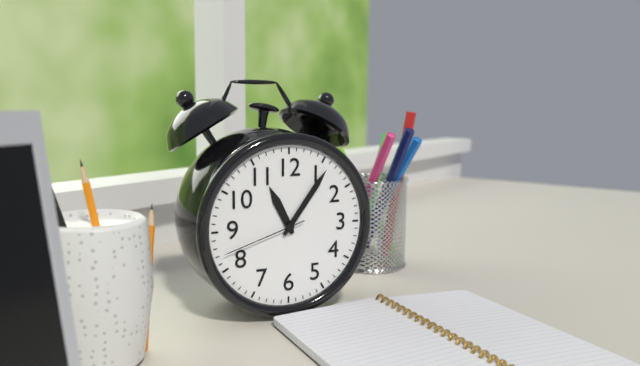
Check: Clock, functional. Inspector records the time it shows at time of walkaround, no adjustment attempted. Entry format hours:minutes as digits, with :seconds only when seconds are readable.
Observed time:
11:06:42
